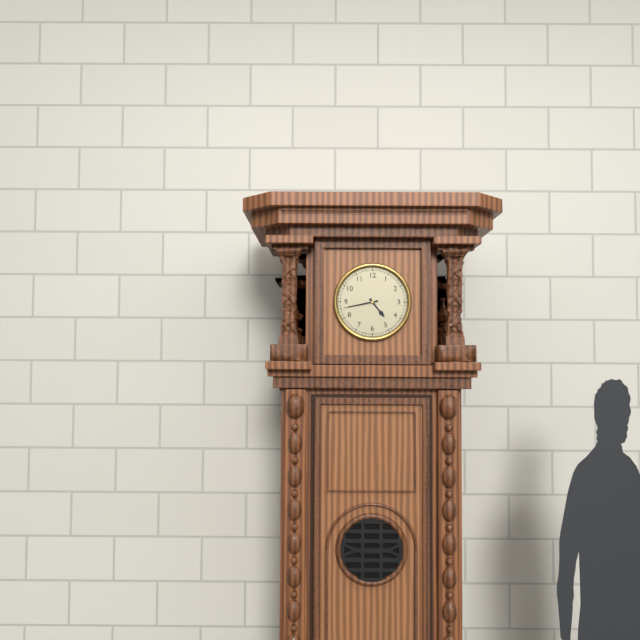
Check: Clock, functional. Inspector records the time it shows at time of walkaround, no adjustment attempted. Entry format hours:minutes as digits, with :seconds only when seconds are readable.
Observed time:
4:43
